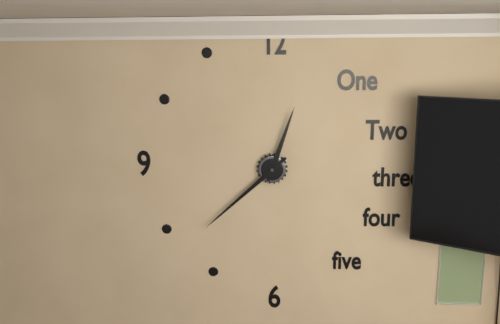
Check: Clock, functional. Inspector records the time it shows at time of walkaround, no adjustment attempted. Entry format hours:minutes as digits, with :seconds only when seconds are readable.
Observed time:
12:38
